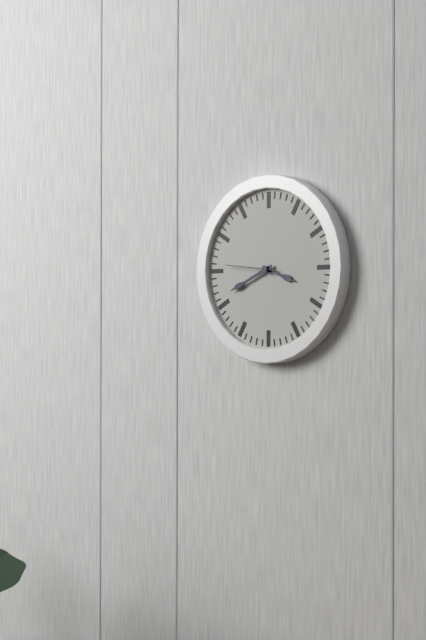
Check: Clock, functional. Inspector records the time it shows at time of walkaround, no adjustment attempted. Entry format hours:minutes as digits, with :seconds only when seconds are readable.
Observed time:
3:41:46
